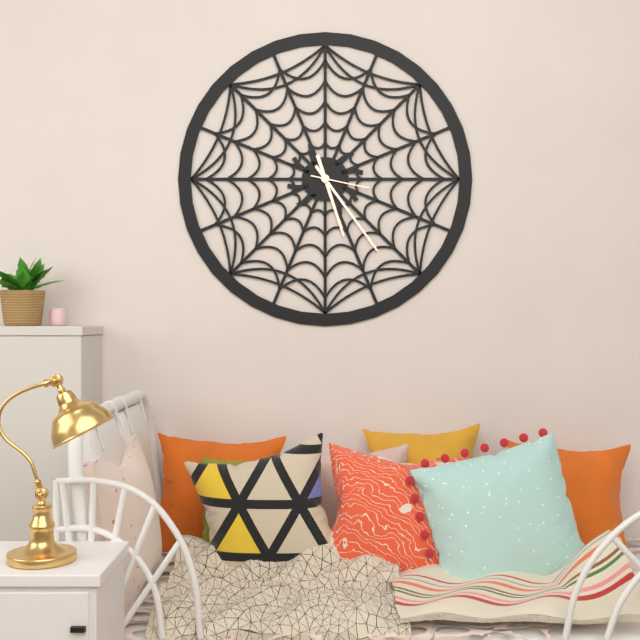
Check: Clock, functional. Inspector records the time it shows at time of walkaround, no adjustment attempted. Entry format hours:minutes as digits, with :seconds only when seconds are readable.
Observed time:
5:24:17
